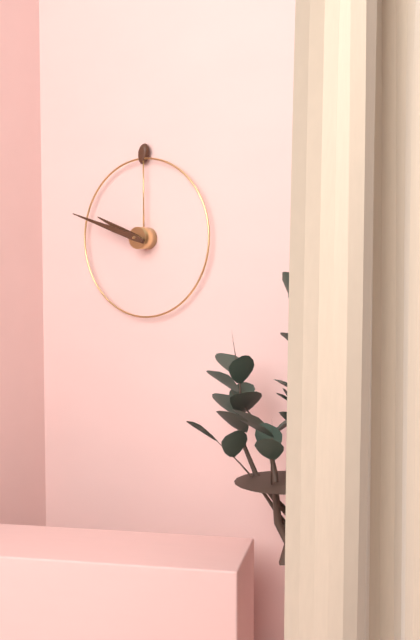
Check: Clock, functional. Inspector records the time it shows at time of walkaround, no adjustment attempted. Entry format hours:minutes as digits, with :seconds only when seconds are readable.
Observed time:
9:48
